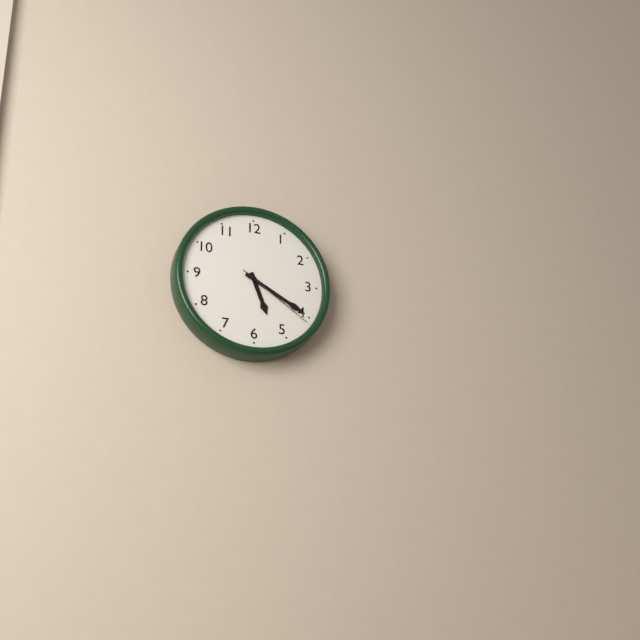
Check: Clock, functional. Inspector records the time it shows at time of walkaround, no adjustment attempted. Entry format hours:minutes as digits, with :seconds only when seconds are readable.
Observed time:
5:20:21
